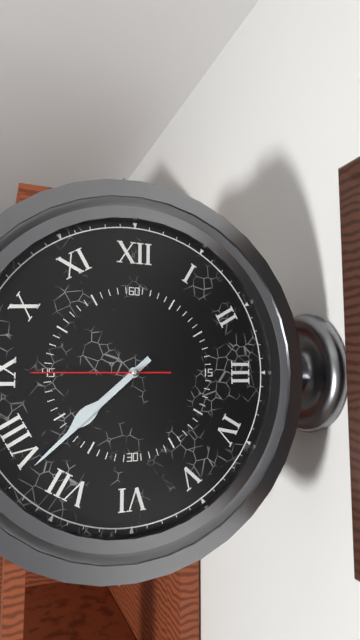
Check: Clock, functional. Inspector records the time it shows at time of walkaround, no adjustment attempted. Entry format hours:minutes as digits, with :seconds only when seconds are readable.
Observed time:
7:38:45
